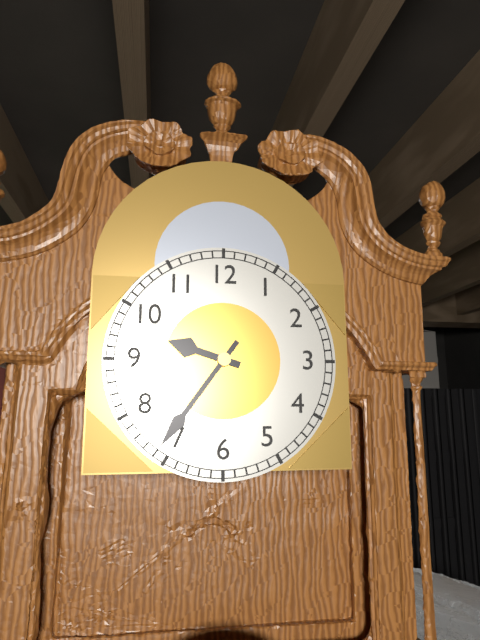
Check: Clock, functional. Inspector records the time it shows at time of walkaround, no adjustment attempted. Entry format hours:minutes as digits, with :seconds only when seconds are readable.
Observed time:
9:36
